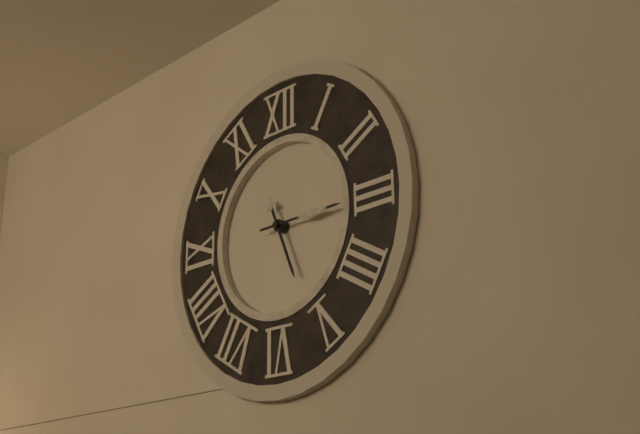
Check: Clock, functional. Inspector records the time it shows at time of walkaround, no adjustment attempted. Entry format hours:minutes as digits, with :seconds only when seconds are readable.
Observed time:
5:15
